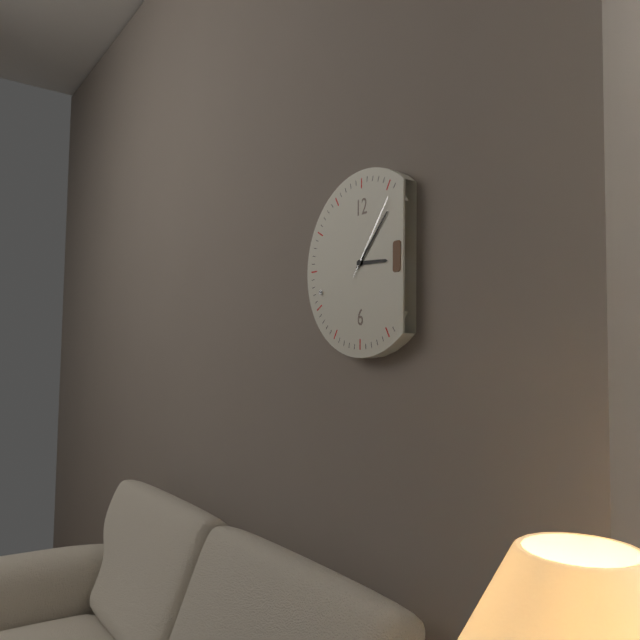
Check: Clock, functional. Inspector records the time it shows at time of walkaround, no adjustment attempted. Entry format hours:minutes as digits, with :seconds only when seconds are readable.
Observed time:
3:07:06
